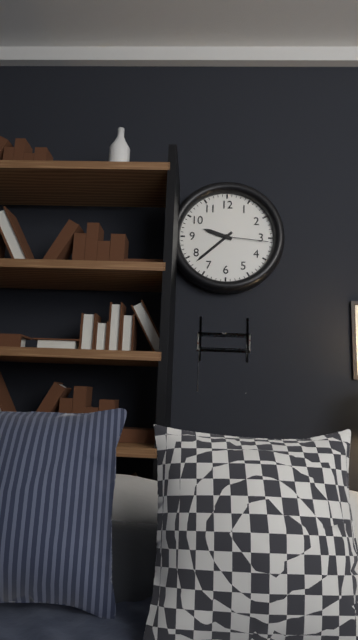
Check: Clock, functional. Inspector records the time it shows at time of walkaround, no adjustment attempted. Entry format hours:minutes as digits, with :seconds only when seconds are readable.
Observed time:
9:38:16
